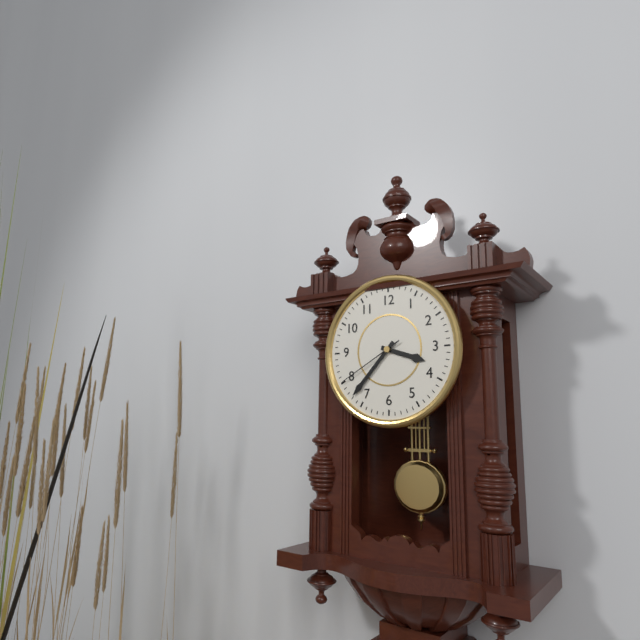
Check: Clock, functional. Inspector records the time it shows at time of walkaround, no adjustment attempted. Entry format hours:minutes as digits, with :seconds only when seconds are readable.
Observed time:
3:37:40
